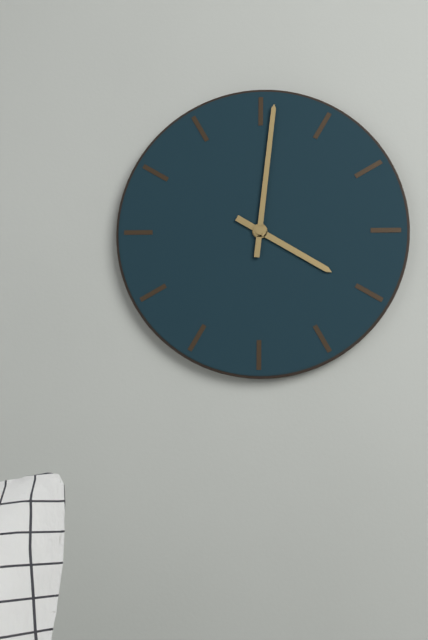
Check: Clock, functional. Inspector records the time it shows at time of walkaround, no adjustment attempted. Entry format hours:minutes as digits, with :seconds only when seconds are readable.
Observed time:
4:01
